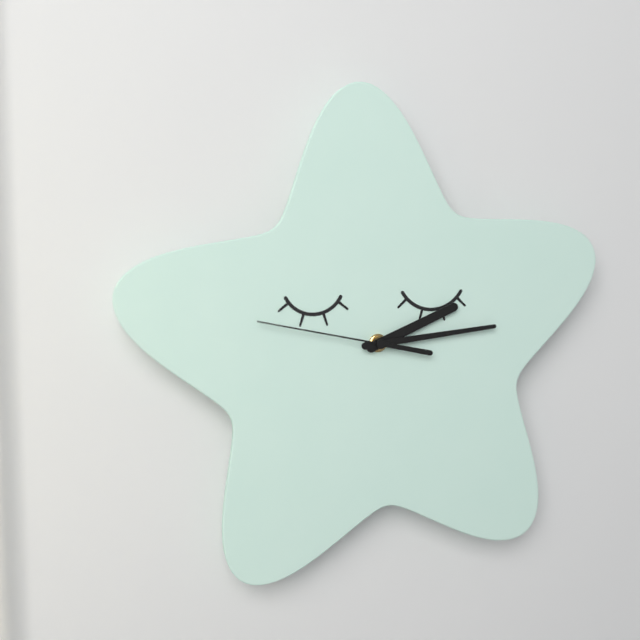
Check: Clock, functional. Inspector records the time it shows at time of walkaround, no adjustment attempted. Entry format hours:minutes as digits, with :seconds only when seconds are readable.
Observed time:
2:14:47
